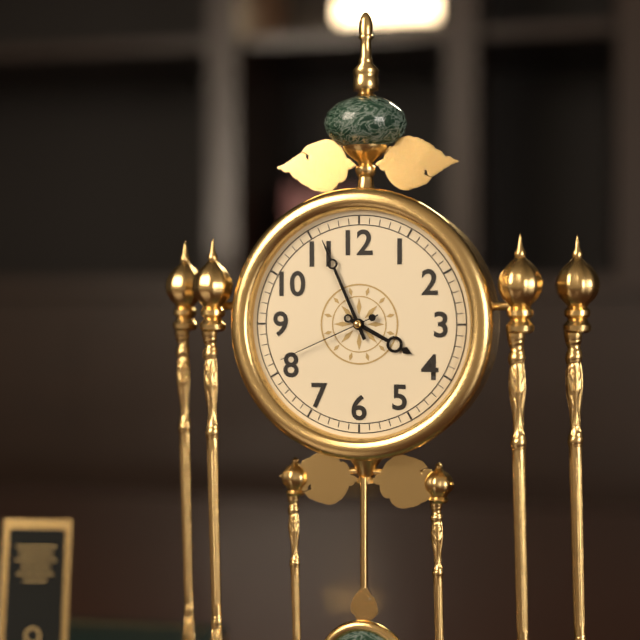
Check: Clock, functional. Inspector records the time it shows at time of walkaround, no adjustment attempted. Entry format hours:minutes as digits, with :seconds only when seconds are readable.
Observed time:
3:56:41
